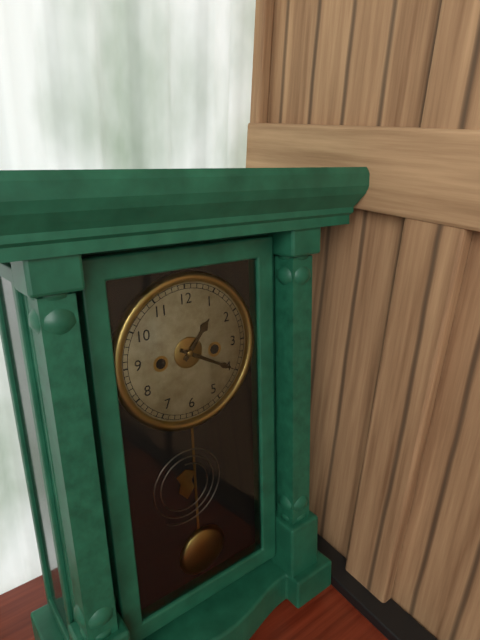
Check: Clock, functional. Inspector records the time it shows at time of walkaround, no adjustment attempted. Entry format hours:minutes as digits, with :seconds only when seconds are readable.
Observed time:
1:20
